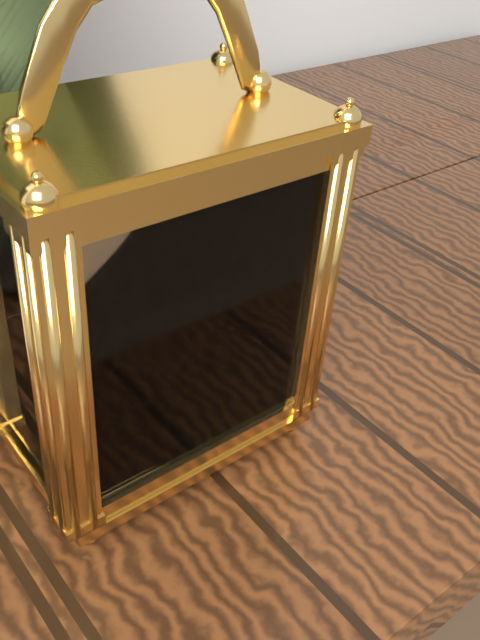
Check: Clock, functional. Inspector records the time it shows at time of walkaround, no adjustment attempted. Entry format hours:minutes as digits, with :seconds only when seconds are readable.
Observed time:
6:42
